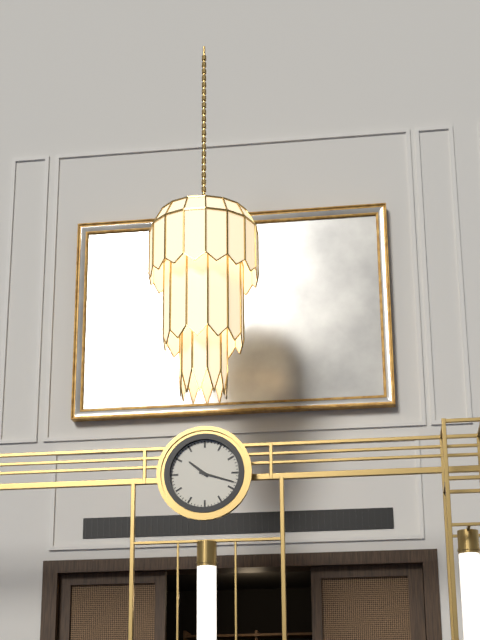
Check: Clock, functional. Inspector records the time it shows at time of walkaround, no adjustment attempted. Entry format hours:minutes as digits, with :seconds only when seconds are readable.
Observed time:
10:18
